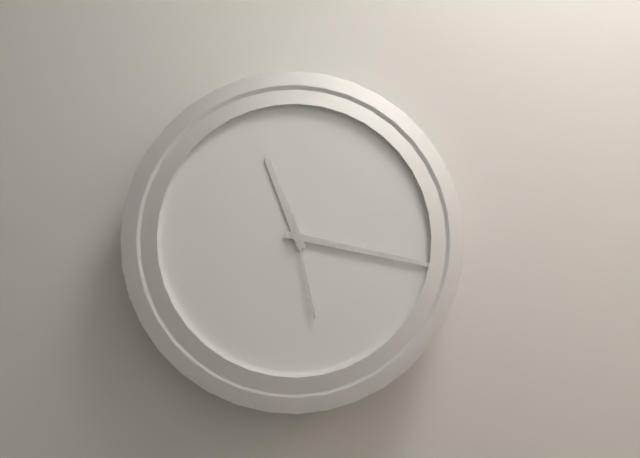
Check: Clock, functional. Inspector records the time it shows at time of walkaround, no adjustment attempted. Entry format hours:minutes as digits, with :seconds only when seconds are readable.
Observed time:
11:17:28
